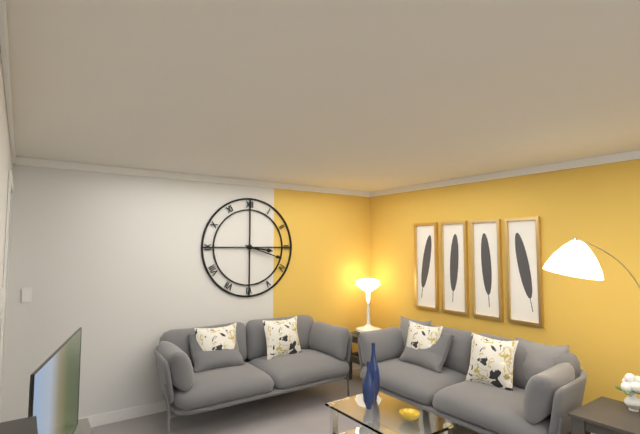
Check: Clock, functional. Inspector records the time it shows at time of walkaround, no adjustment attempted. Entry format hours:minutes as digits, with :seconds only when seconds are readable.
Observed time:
3:18
